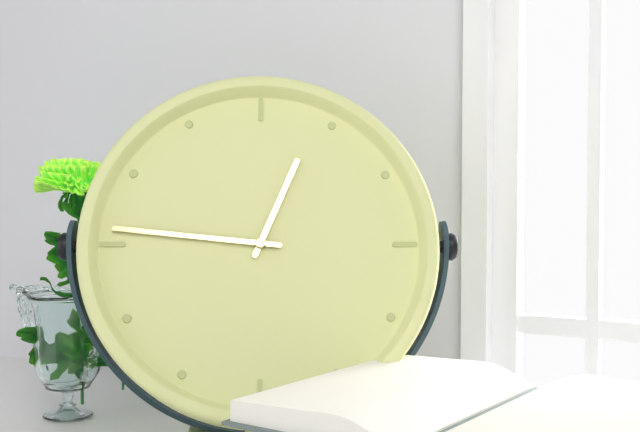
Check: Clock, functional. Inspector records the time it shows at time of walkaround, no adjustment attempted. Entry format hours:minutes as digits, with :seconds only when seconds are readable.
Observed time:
12:46
